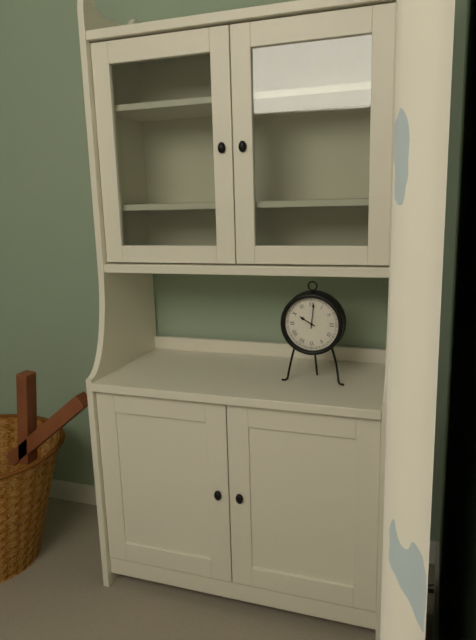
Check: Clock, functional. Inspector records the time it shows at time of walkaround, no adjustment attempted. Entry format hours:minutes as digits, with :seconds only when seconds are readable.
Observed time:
10:01
